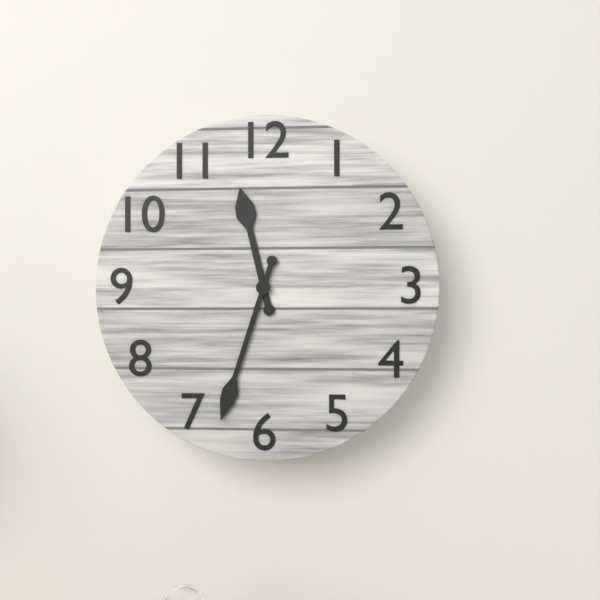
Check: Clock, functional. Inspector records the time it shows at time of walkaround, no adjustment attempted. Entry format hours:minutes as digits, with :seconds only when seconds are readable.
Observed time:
11:33
